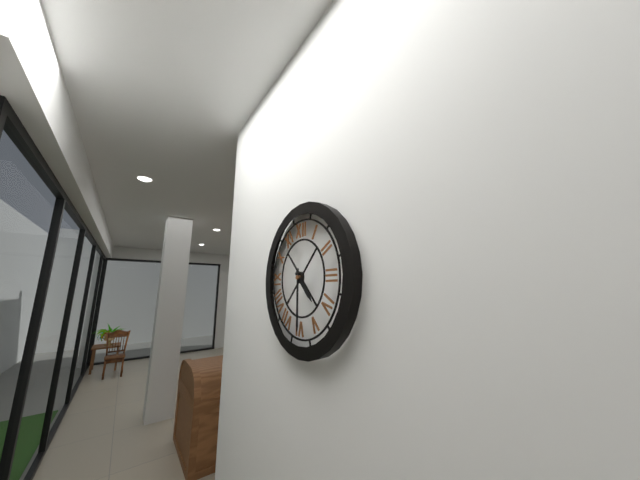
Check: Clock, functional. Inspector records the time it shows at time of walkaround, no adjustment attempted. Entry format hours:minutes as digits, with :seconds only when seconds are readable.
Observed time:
4:30
